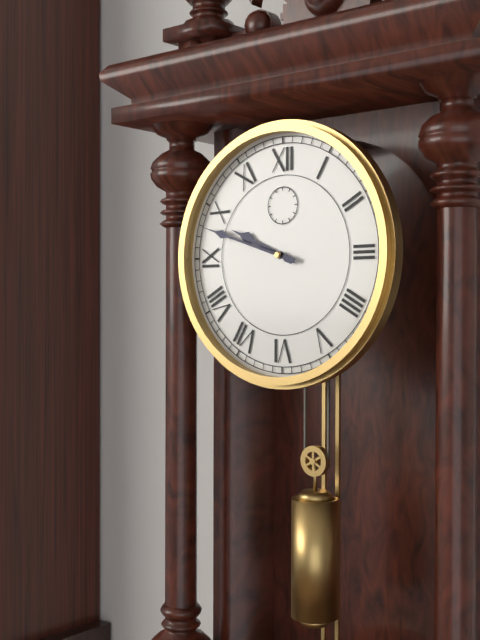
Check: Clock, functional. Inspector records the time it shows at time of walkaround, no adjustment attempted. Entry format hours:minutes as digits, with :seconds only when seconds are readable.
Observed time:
9:48
